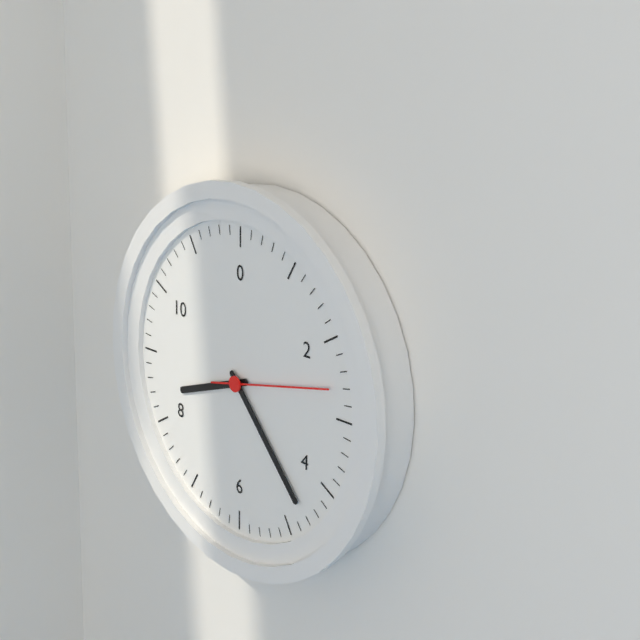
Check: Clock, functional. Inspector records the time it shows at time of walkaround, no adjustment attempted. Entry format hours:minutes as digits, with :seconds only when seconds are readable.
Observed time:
8:23:13
